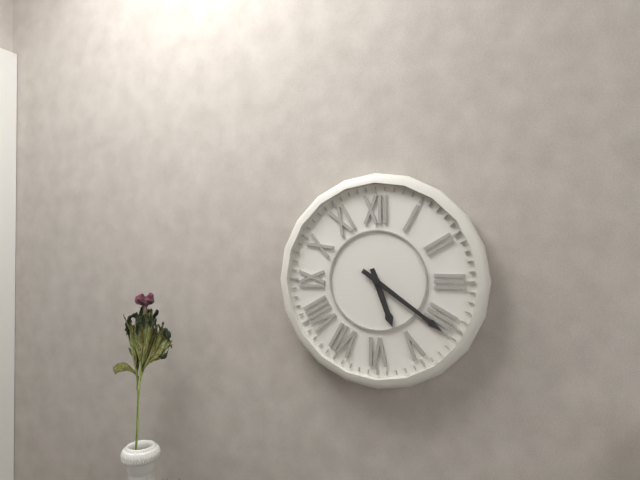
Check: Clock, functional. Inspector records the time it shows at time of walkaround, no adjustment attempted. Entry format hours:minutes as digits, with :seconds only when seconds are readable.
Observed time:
5:21
